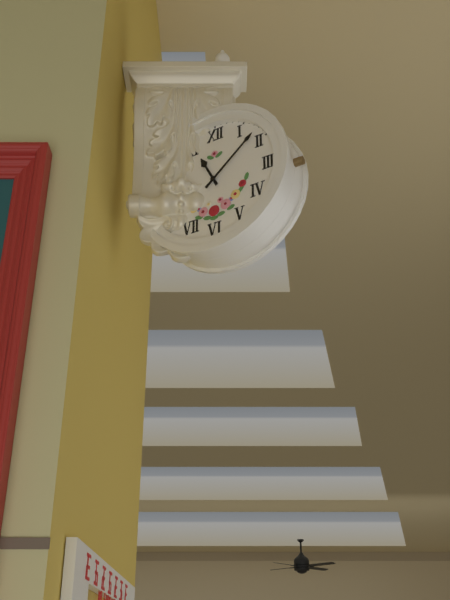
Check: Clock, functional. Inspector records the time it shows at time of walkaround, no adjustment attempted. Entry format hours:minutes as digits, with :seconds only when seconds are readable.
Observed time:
11:08
